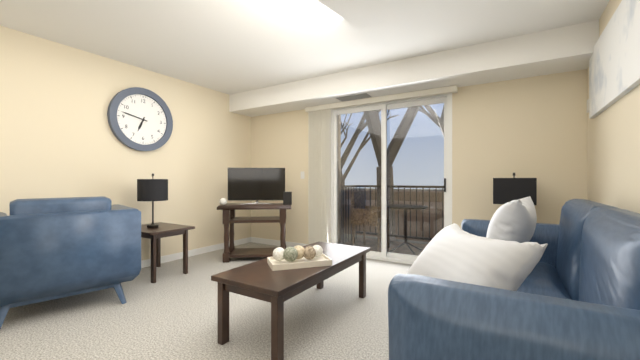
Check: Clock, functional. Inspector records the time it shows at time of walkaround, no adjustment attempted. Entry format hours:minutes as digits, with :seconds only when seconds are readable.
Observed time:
6:47
